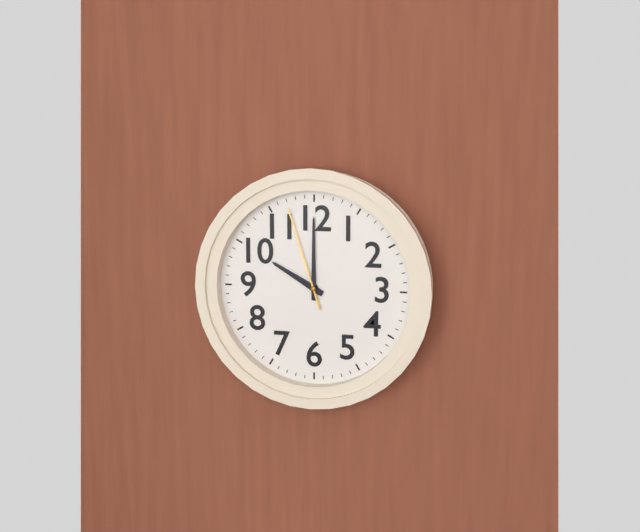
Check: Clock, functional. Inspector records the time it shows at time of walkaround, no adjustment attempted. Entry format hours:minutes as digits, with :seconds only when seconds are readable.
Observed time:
10:00:57
